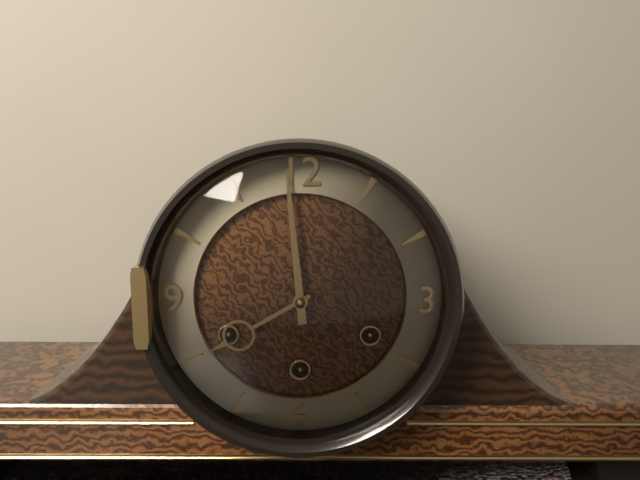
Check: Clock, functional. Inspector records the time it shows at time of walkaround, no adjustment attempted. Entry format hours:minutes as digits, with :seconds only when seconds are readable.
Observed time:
7:59
